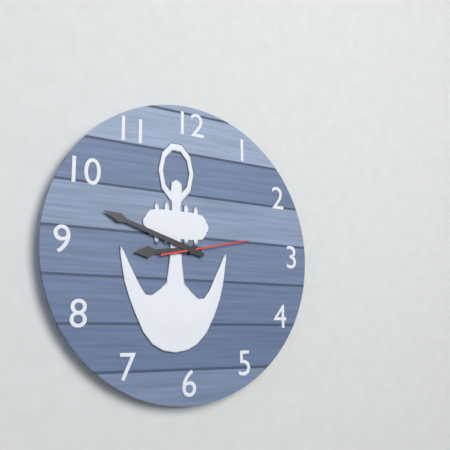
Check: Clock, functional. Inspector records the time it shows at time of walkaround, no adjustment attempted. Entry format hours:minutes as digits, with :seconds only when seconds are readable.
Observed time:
8:48:13
